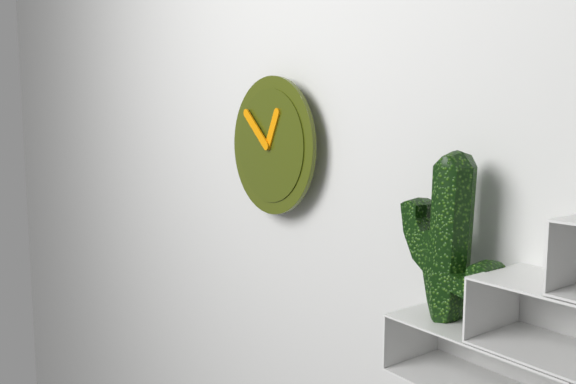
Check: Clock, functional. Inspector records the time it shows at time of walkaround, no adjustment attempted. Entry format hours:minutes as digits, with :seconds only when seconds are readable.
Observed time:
12:52
